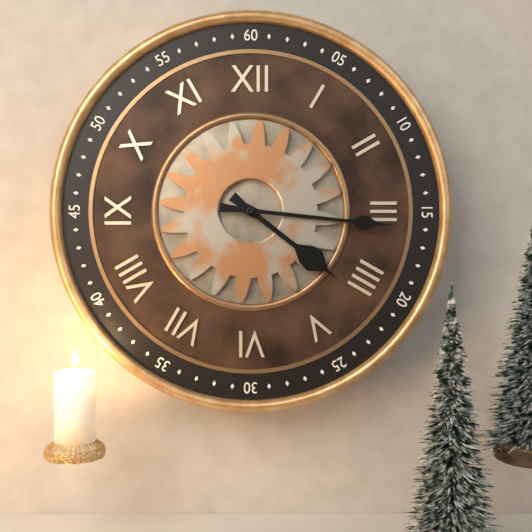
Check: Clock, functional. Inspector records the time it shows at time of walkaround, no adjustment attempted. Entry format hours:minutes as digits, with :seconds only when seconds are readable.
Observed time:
4:16
